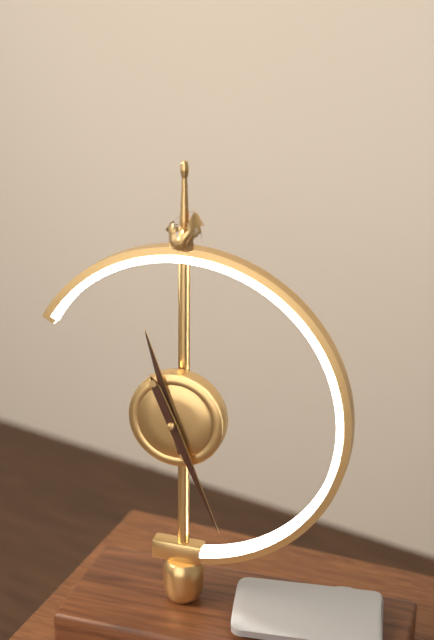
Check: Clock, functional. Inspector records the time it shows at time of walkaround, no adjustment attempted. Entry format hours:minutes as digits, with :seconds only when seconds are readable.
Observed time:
11:26
